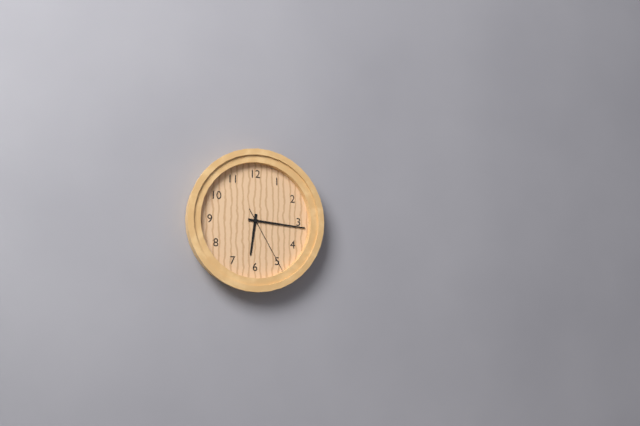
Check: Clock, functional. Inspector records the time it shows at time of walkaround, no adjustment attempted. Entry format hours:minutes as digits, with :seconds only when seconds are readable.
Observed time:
6:16:25
